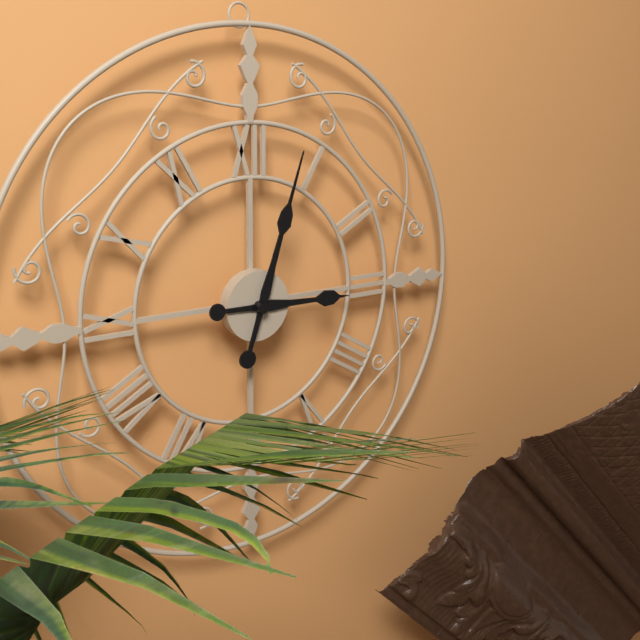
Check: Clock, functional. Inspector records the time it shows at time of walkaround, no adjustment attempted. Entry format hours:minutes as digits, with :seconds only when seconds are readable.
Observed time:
3:03
